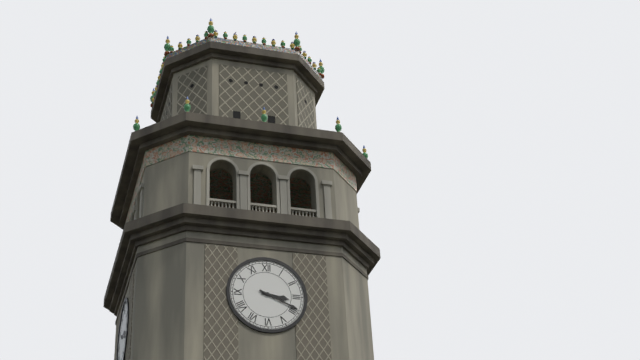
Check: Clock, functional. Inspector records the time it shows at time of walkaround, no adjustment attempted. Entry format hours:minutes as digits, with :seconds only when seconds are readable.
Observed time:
3:19
